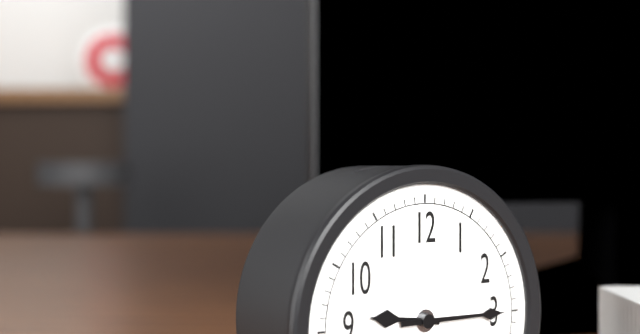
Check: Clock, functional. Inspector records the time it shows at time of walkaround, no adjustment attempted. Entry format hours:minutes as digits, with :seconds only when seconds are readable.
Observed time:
9:15
